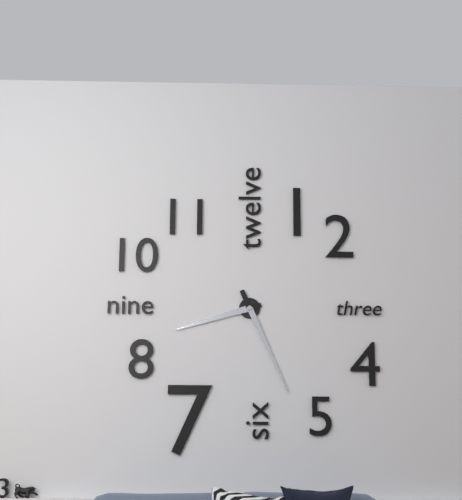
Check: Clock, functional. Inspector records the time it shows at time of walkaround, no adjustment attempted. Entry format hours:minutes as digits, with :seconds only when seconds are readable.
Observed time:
8:26
